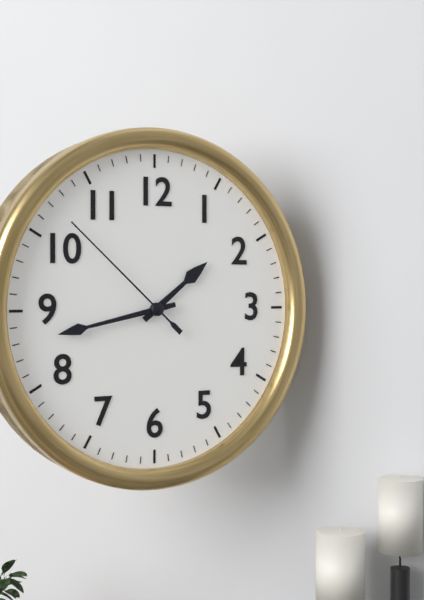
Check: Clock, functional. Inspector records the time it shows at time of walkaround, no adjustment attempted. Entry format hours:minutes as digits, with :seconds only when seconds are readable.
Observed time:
1:43:52
